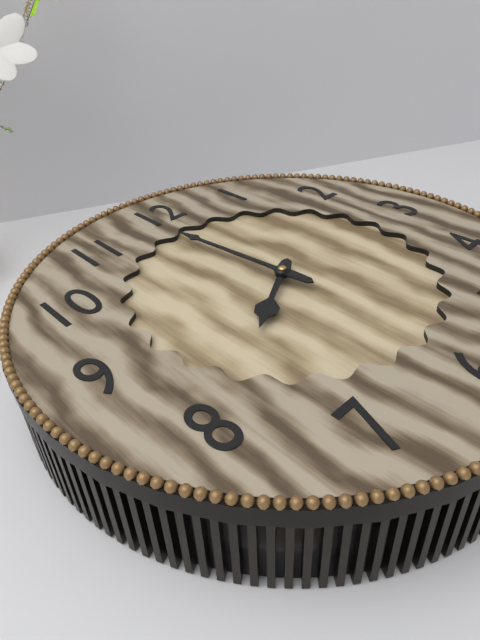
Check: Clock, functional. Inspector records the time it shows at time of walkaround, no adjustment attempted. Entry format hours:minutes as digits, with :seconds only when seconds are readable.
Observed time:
7:59
